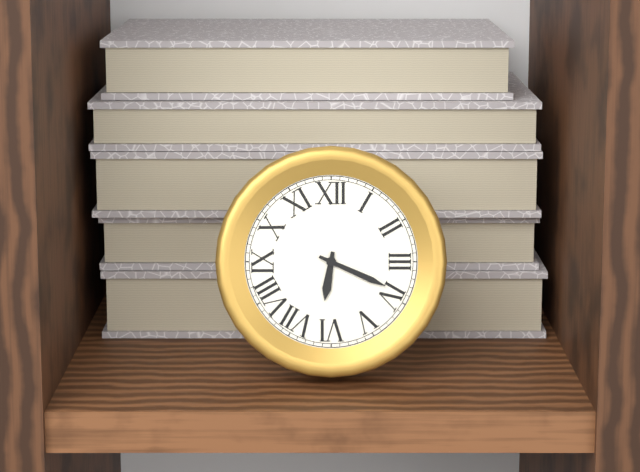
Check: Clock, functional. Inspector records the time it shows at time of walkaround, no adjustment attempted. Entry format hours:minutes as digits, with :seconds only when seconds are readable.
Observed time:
6:19
